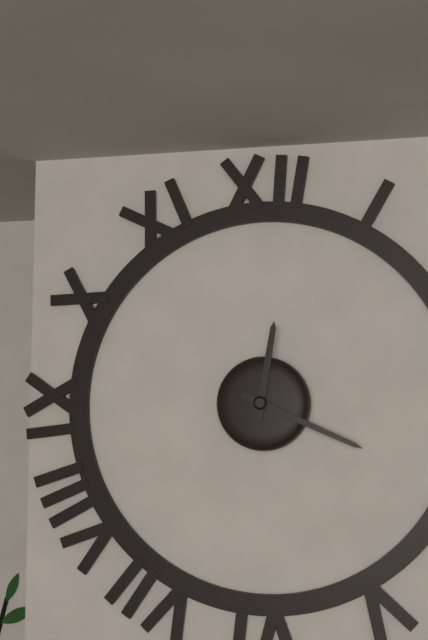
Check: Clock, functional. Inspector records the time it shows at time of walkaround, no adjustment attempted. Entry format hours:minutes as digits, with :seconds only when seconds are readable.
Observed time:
12:19
